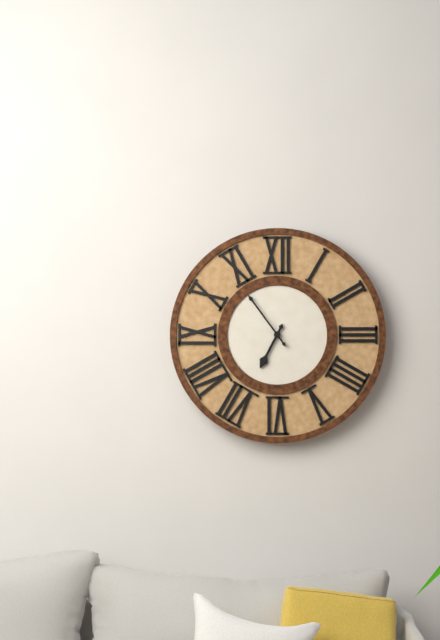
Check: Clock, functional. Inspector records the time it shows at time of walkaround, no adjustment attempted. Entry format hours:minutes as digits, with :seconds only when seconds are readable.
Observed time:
6:54
